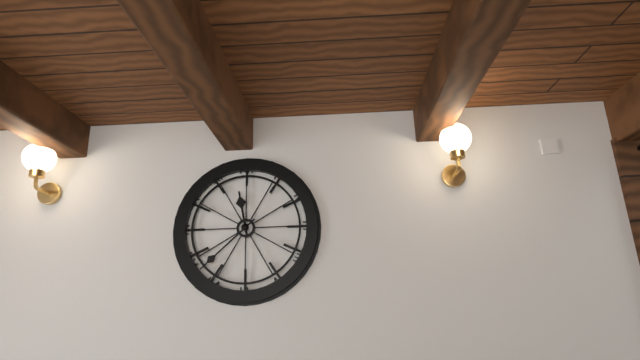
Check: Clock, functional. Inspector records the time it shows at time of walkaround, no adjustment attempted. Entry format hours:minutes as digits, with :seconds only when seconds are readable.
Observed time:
11:38
